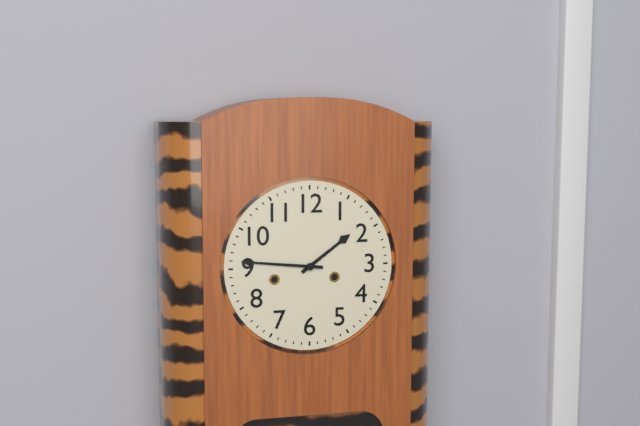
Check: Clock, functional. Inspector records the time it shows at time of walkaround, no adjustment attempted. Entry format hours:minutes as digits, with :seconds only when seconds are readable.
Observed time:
1:46
